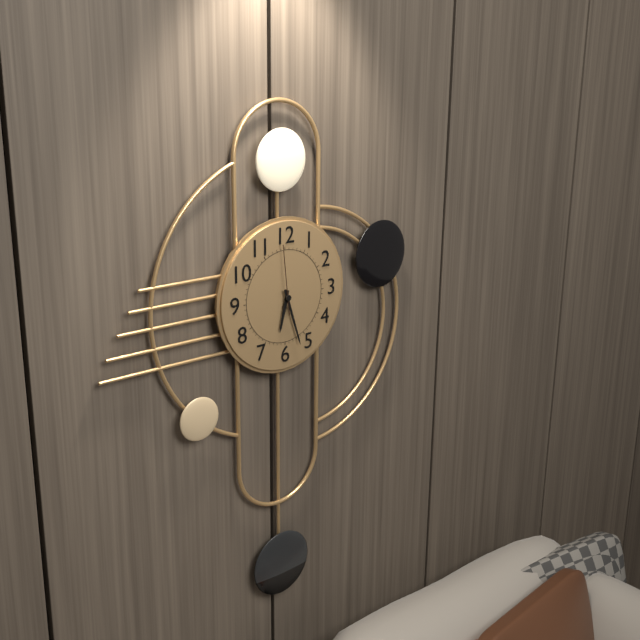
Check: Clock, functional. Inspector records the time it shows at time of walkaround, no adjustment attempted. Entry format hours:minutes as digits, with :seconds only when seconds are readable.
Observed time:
6:27:59
